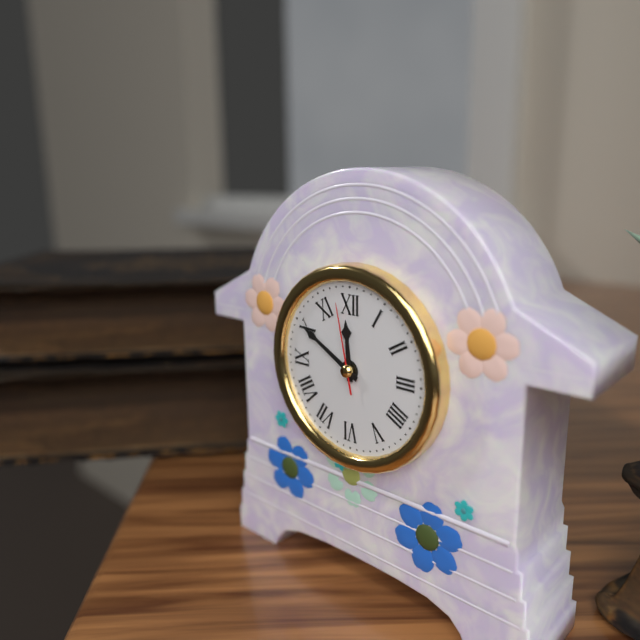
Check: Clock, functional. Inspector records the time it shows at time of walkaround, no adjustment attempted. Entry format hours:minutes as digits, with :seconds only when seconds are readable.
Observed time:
11:50:58
